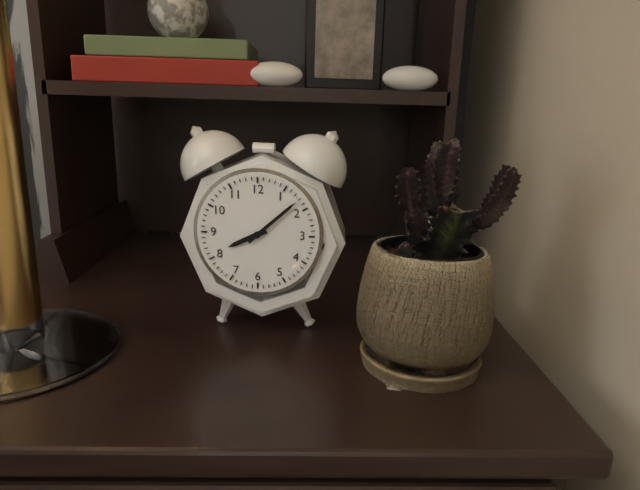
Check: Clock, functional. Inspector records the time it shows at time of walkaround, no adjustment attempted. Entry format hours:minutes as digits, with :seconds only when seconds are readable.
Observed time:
8:08
